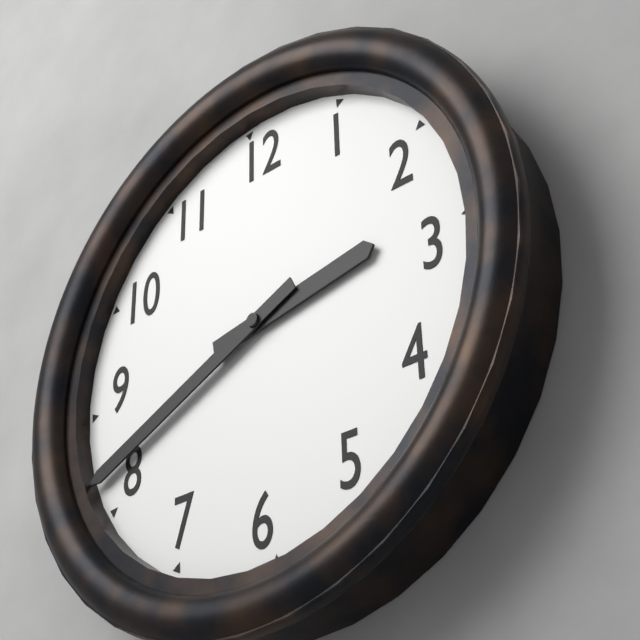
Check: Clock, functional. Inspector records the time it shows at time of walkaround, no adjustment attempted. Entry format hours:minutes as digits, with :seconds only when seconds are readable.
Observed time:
2:41
